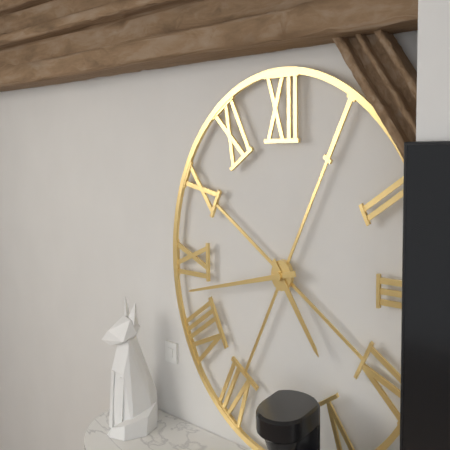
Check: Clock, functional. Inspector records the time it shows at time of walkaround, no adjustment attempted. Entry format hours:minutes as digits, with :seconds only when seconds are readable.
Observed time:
4:43
